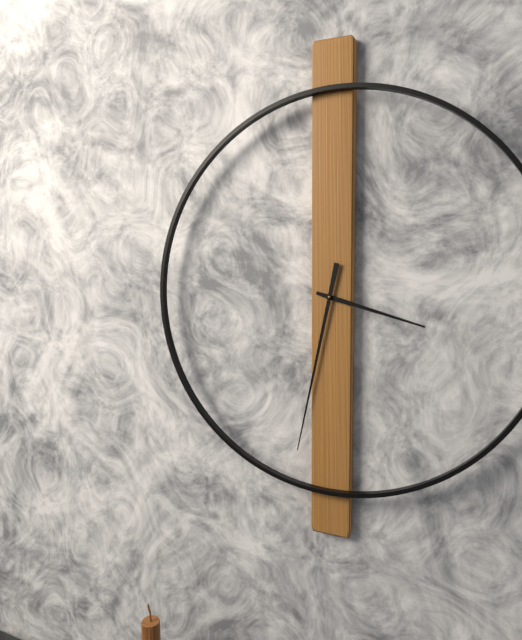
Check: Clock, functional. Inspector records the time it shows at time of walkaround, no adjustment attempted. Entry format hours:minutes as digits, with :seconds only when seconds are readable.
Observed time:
3:32
